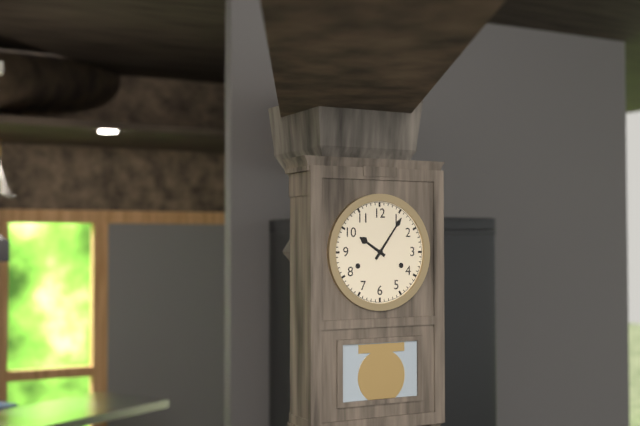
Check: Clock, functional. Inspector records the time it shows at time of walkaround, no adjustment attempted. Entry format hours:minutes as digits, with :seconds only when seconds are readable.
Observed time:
10:06
